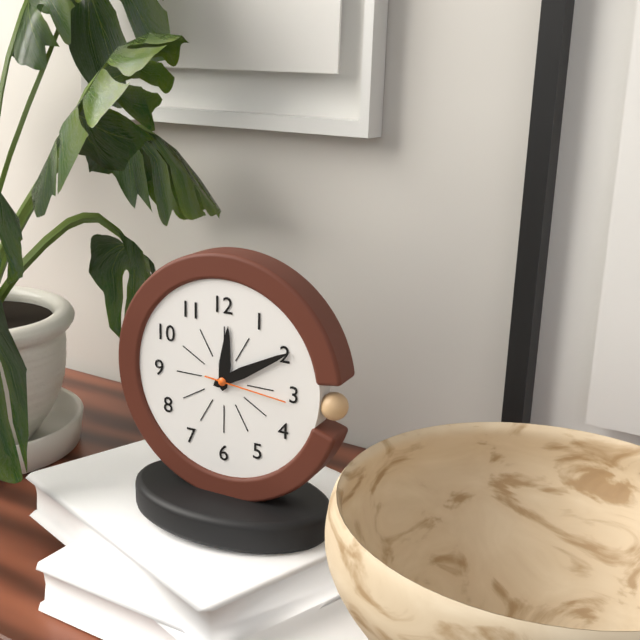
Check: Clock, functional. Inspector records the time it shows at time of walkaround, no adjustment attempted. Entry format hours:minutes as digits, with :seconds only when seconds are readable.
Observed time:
12:10:16
